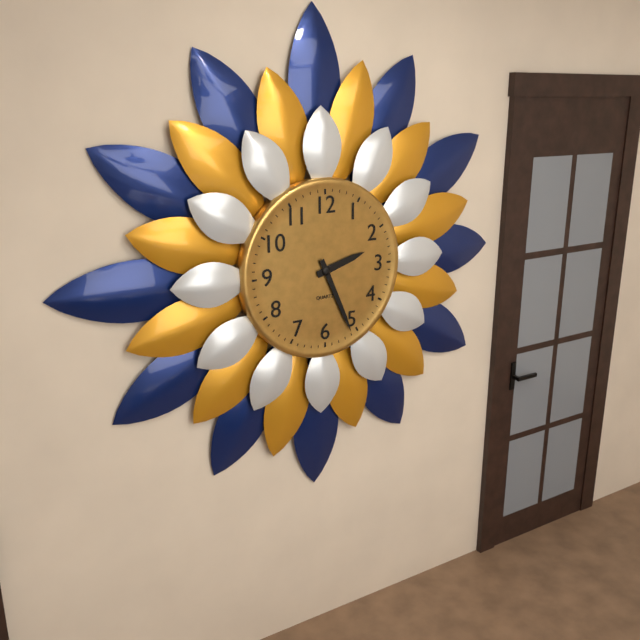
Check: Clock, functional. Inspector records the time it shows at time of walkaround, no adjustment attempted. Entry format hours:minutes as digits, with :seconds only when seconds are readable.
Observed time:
2:26
